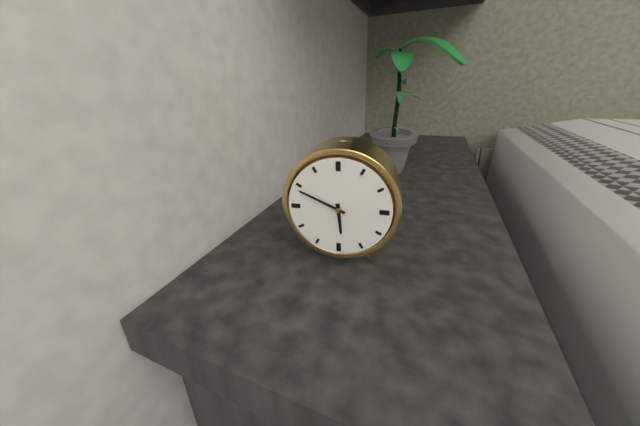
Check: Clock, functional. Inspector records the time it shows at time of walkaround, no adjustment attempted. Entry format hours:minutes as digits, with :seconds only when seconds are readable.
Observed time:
5:49
